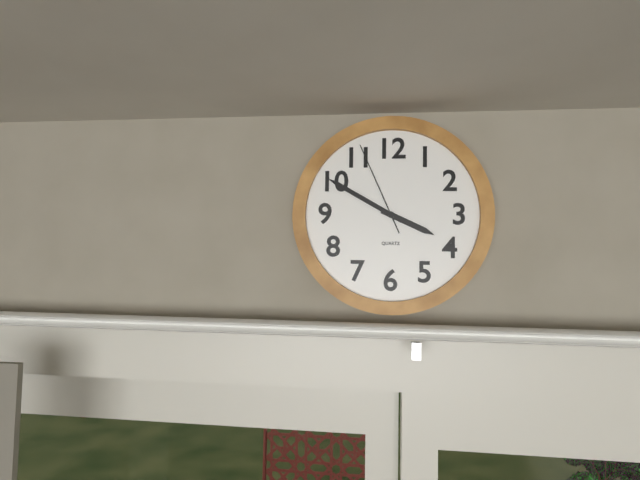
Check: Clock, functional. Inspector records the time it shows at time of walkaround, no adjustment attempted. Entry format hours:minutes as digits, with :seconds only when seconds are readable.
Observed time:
3:50:56
